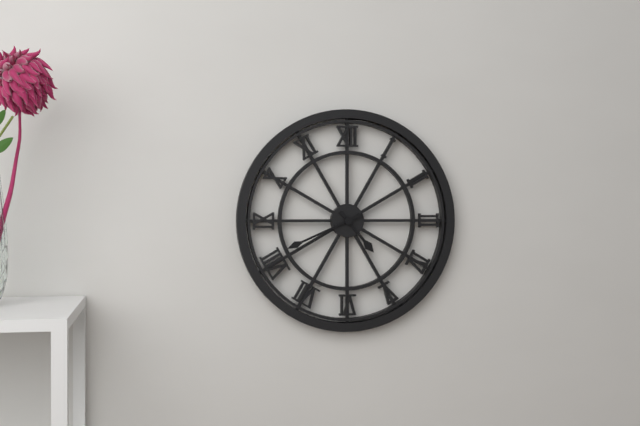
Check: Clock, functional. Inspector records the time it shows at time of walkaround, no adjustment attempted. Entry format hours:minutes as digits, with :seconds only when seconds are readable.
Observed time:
4:41
